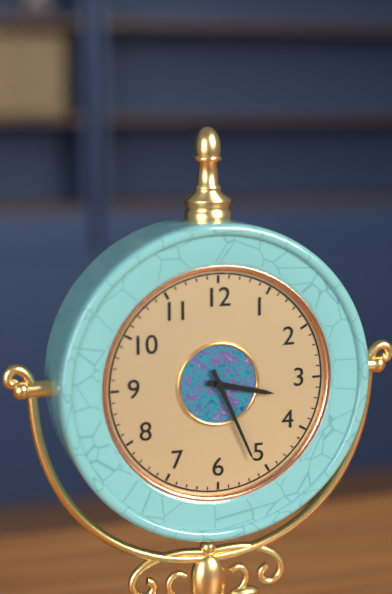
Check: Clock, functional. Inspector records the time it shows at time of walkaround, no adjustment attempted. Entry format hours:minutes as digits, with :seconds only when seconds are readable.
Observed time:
3:26
